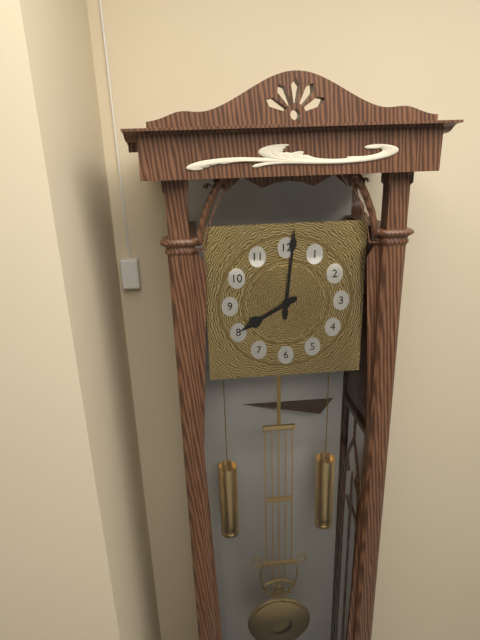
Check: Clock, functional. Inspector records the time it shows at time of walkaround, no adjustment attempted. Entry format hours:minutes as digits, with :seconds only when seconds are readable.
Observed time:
8:01
